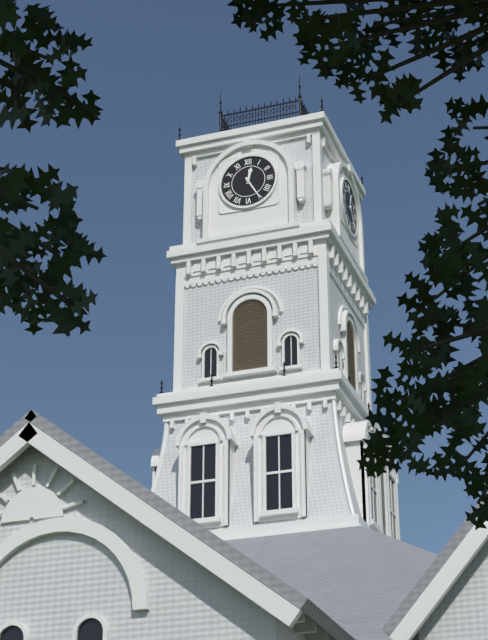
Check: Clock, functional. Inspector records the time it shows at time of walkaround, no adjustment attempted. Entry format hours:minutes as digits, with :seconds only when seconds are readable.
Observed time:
12:25
